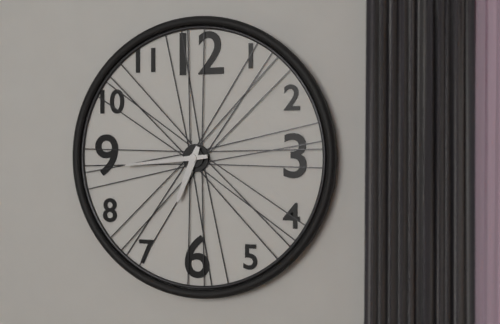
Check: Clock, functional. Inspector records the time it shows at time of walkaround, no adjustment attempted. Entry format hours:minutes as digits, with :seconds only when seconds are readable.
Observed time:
6:44
